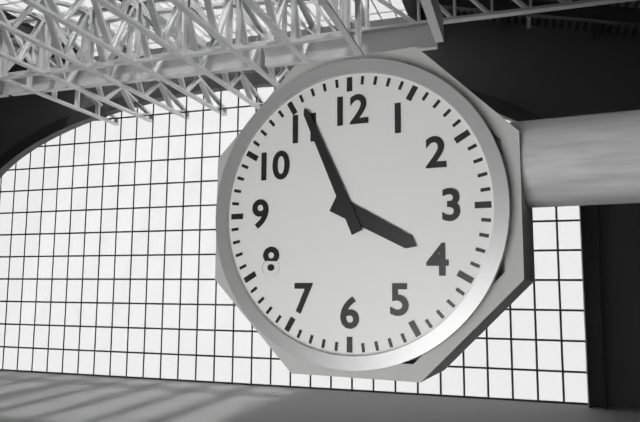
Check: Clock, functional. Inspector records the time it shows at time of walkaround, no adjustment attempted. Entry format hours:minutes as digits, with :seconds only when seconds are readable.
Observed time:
3:56
